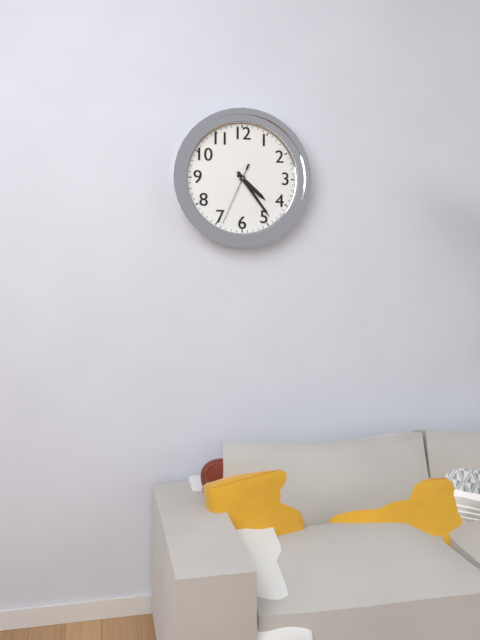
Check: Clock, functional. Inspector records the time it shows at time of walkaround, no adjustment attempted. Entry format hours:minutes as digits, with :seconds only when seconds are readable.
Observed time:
4:24:34
